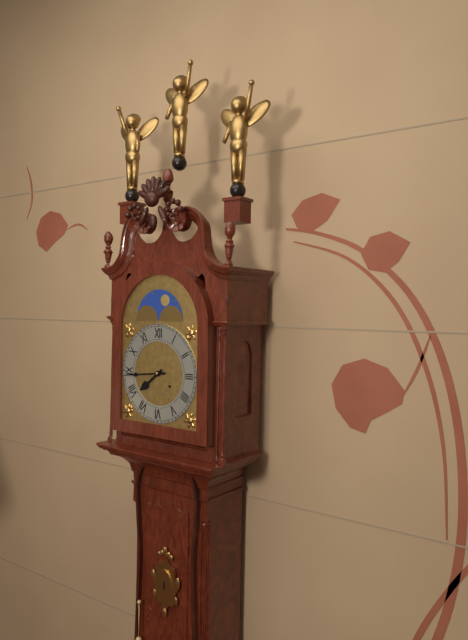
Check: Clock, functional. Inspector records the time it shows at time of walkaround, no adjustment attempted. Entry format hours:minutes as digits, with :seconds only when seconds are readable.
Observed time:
7:44
